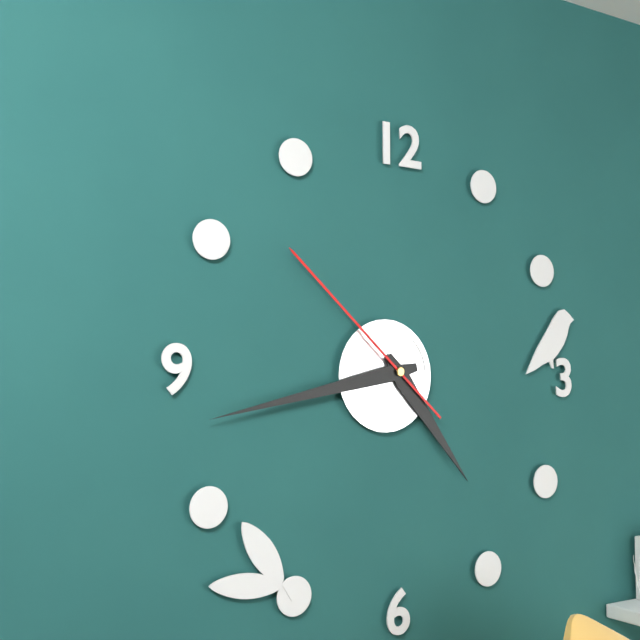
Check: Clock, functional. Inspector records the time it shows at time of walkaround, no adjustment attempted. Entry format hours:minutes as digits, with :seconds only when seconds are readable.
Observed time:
4:43:52
